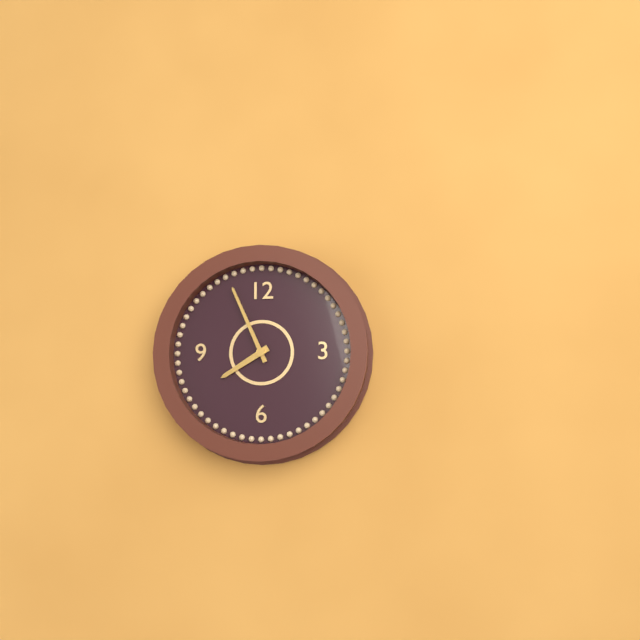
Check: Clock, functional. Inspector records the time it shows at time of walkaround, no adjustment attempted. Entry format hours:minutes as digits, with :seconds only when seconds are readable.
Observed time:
7:56
